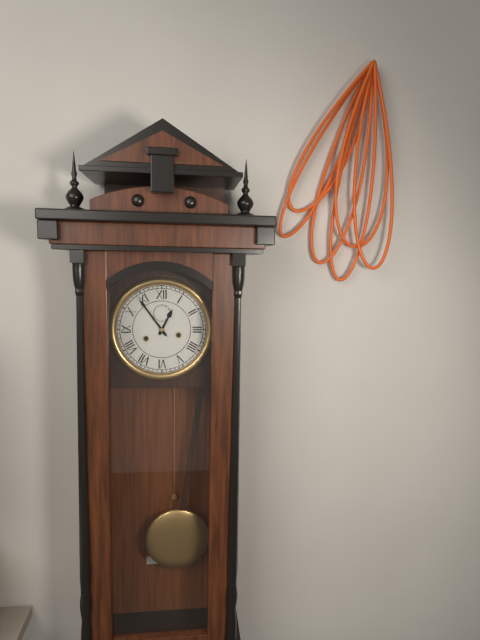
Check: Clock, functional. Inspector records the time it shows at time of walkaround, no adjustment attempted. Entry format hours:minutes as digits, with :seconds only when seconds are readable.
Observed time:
12:54
